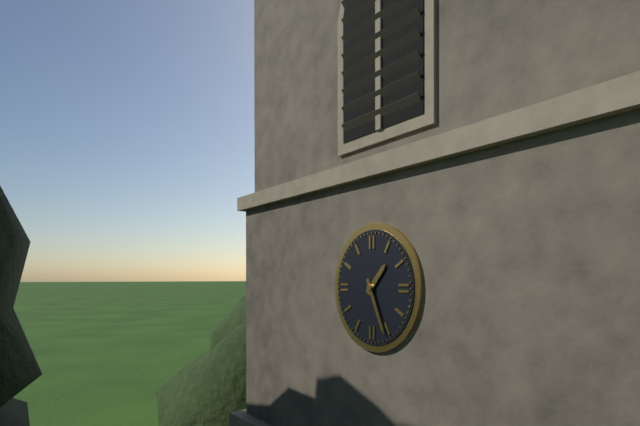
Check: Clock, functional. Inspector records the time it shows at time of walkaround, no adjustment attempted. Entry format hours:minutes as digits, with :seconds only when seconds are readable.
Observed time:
1:26
